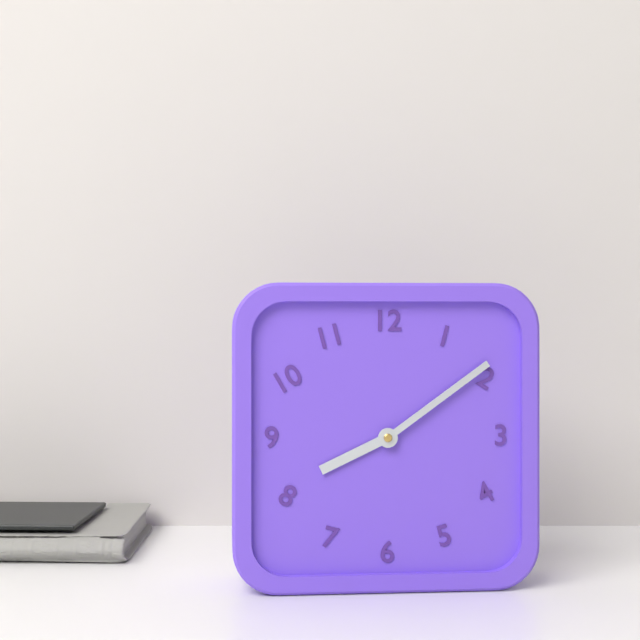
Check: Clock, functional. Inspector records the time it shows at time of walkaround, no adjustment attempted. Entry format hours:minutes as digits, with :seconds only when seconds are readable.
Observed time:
8:09
